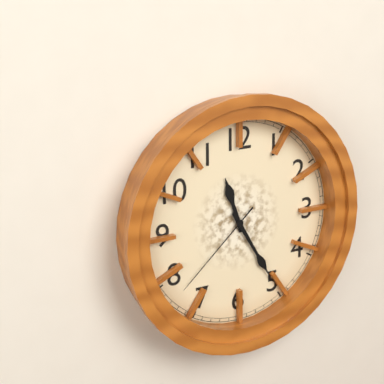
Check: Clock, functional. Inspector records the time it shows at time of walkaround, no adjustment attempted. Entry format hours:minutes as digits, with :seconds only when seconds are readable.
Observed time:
11:25:38
